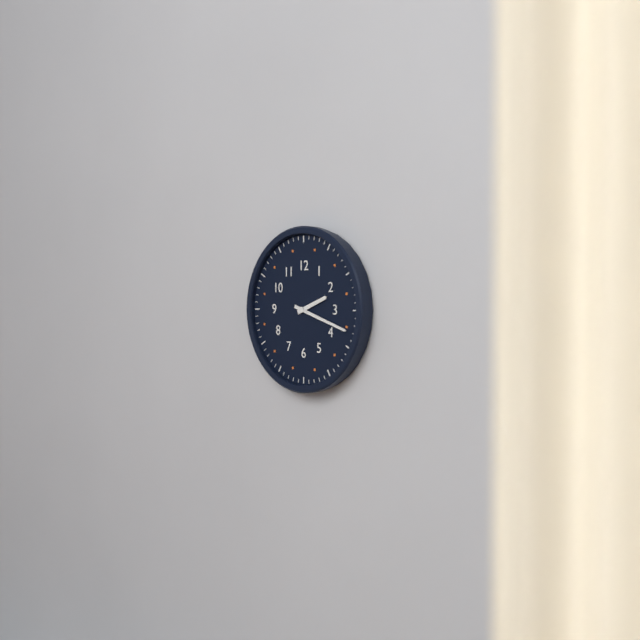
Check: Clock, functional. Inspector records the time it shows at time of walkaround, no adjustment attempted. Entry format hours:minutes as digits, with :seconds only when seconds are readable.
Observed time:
2:18
